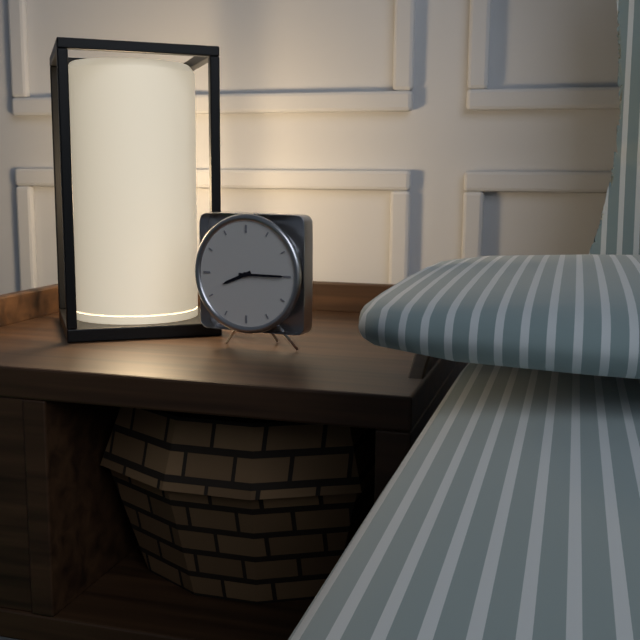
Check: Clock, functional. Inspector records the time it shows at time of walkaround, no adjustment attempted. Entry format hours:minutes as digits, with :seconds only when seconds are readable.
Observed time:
8:15
